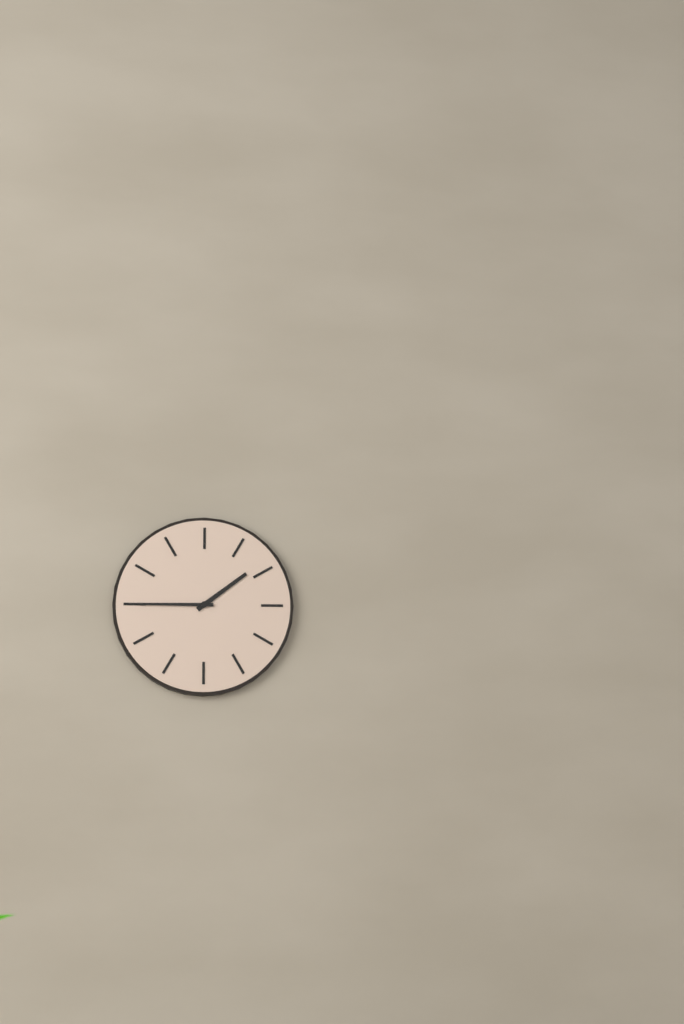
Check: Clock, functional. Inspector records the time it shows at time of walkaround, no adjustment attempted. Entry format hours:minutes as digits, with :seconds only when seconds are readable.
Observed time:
1:45
